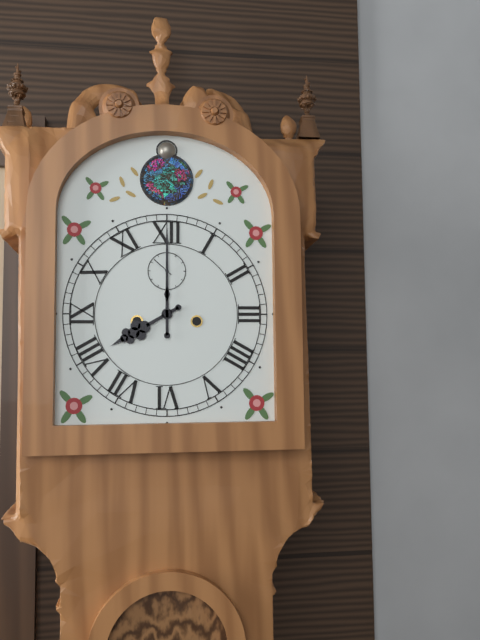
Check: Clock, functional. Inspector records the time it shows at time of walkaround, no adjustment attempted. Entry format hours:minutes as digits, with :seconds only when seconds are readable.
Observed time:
8:00
